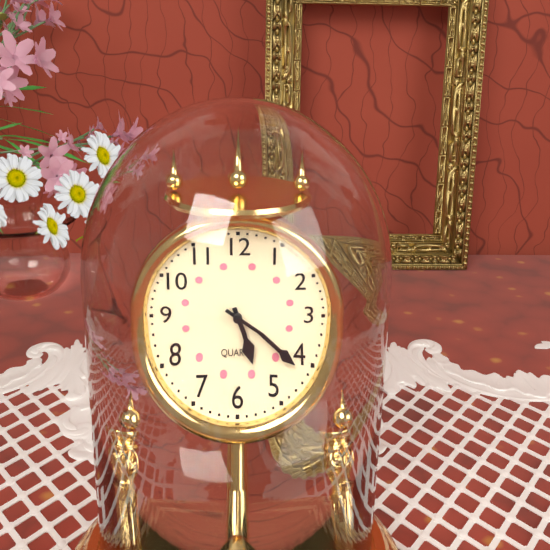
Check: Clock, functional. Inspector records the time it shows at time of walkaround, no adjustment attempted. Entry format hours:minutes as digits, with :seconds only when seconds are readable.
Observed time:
5:21
